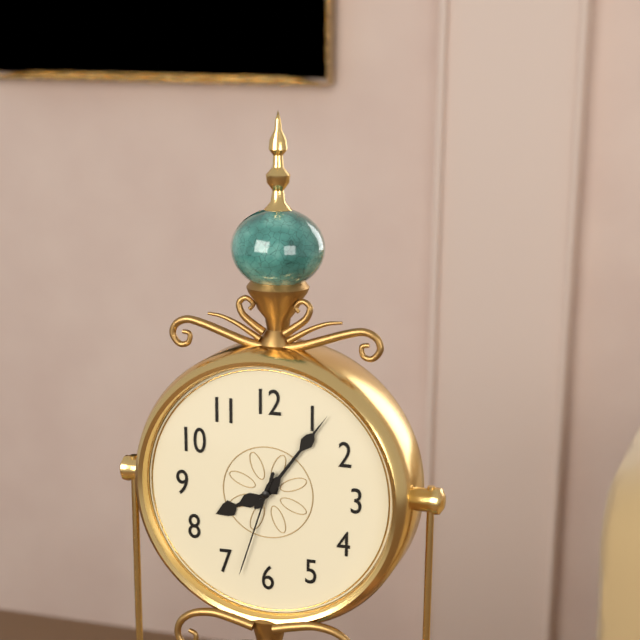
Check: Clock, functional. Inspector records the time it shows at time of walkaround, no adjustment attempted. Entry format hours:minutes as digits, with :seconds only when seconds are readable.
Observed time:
8:06:33
